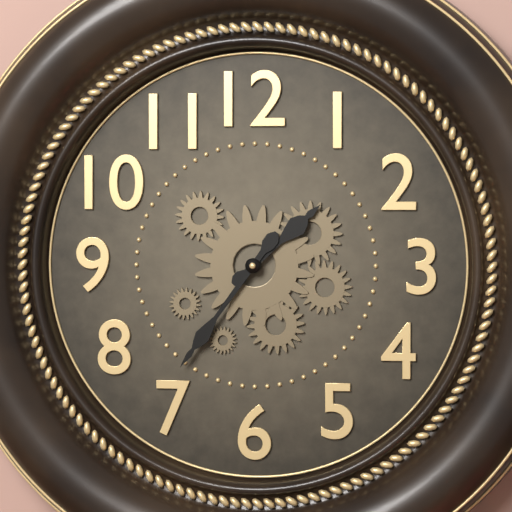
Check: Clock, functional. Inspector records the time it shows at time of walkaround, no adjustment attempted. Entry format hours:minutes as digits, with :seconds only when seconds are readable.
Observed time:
1:36
